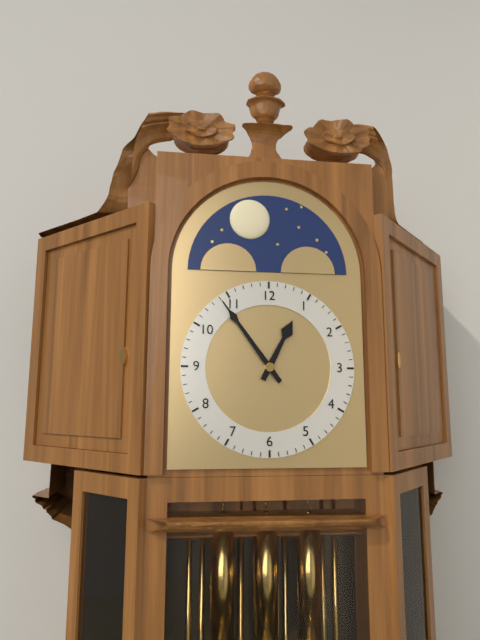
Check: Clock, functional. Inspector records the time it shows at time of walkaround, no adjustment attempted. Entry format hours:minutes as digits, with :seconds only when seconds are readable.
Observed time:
12:54
